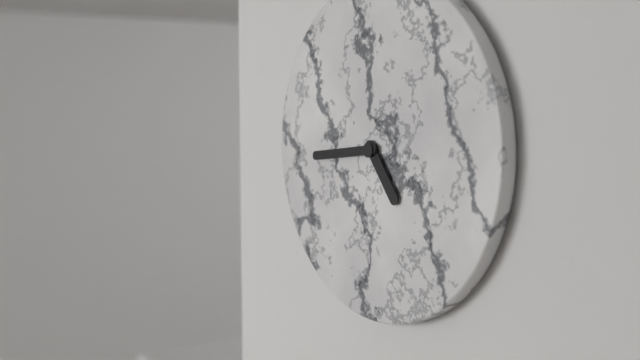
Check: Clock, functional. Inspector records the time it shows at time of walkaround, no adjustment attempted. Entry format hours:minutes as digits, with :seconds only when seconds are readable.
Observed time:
4:44
